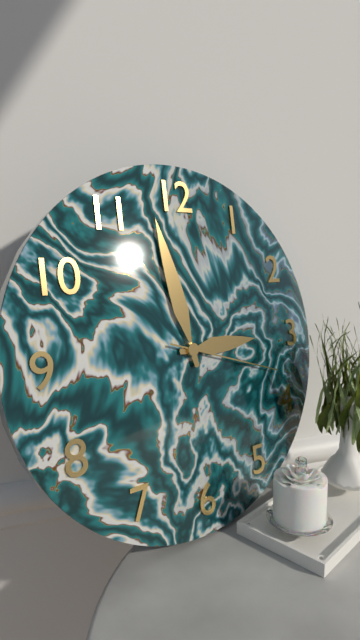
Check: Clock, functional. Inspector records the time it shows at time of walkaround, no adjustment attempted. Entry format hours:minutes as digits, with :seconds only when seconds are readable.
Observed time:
2:58:18
